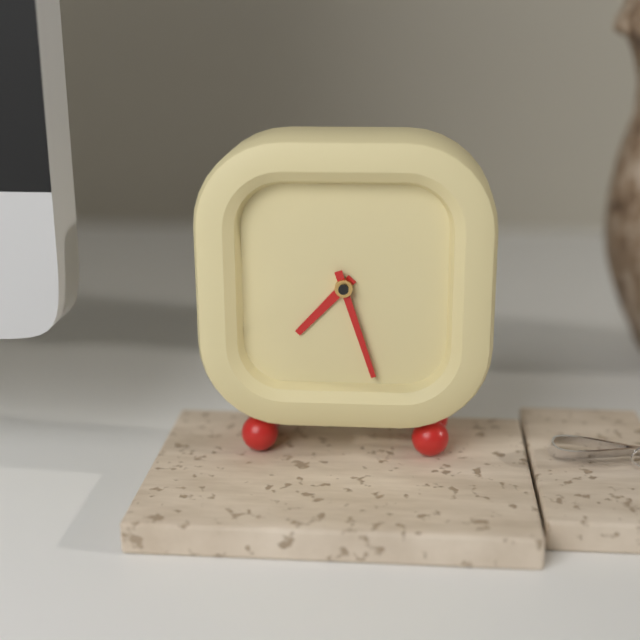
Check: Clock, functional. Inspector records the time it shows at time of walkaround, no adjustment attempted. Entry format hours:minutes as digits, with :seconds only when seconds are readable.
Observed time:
7:27
